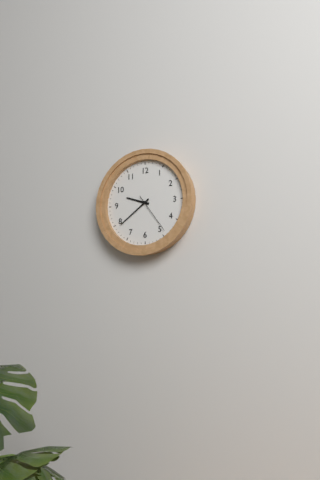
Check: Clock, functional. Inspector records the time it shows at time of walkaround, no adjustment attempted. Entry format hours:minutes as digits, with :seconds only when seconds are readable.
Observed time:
9:39
